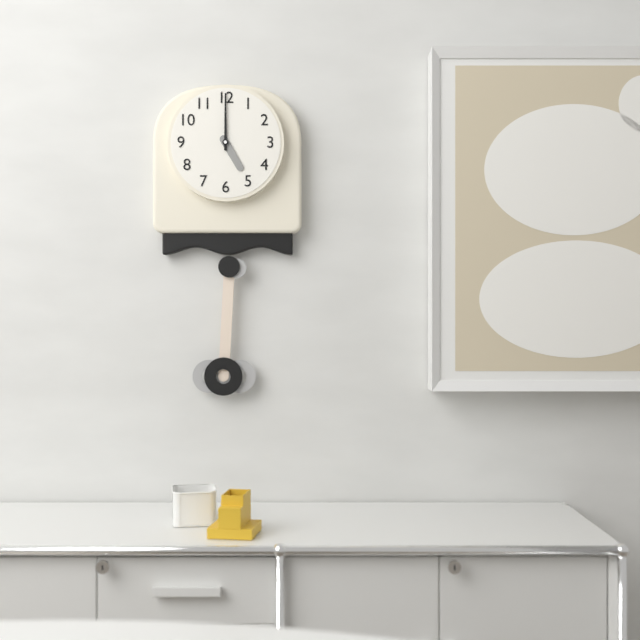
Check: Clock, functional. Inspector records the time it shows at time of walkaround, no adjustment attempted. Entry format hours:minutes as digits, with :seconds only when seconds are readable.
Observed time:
5:00
